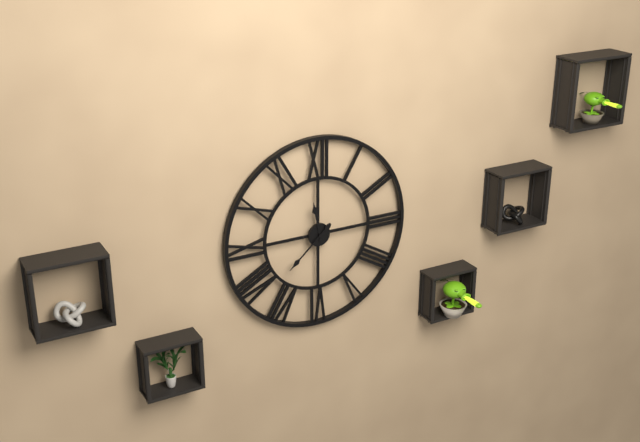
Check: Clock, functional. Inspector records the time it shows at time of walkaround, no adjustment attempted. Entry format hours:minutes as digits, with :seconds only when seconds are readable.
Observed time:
11:38
